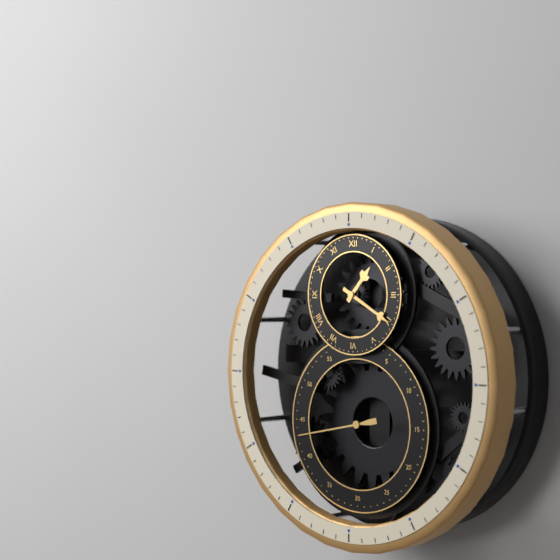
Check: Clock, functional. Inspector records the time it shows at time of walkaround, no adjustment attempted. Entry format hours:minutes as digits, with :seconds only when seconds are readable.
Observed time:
1:20:43
